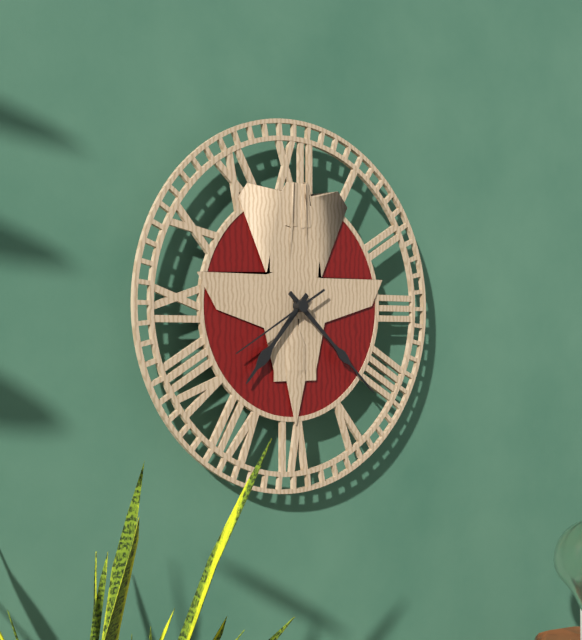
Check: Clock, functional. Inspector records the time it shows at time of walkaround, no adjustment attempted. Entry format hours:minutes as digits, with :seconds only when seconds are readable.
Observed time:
7:22:40
